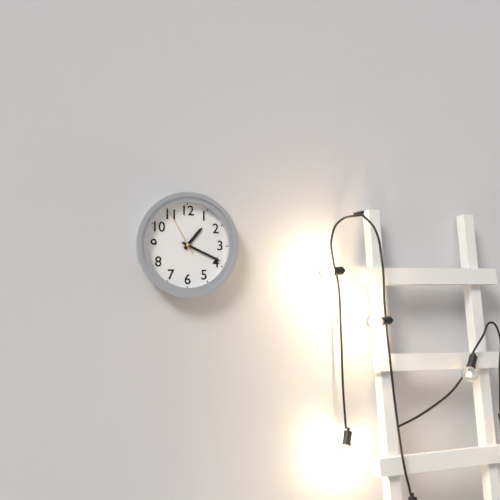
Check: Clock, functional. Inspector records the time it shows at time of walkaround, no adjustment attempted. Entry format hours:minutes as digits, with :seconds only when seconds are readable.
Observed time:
1:19:55
